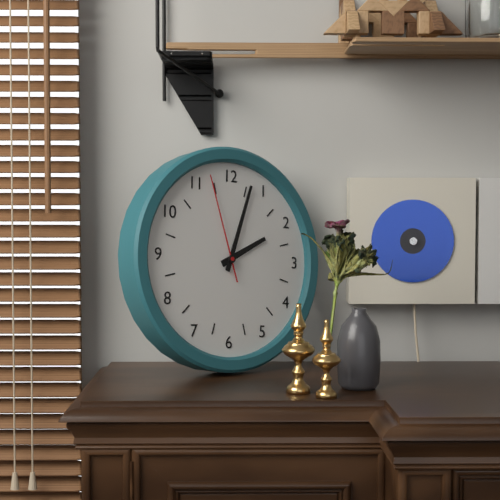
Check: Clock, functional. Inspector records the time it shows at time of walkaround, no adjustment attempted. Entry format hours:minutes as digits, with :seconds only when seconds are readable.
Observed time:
2:03:57
